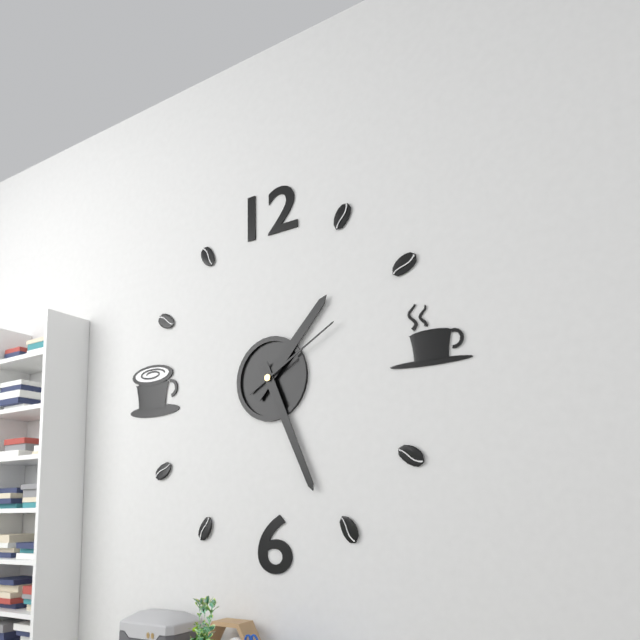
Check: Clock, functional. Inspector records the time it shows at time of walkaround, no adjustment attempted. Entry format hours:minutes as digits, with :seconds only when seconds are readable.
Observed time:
1:26:10
